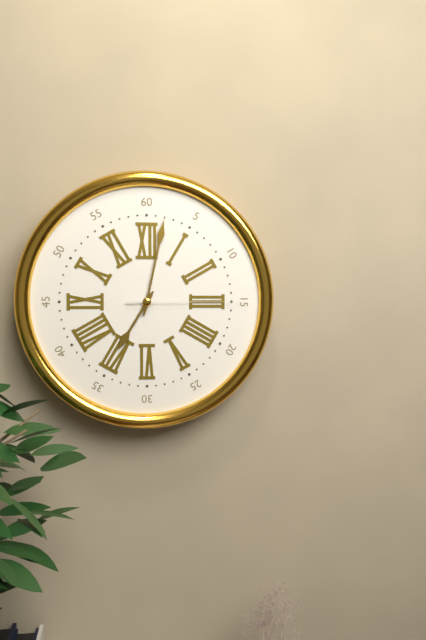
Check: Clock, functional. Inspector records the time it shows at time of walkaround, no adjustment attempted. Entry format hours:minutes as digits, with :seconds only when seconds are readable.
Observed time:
7:02:15
